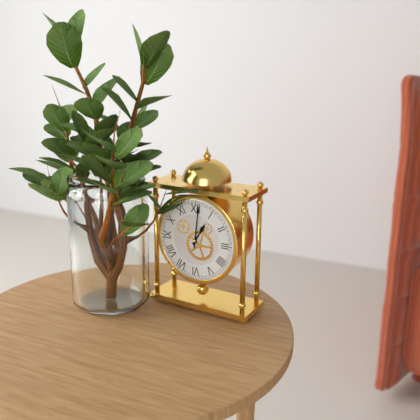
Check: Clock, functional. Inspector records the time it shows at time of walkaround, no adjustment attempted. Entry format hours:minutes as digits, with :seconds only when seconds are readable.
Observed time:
1:01
